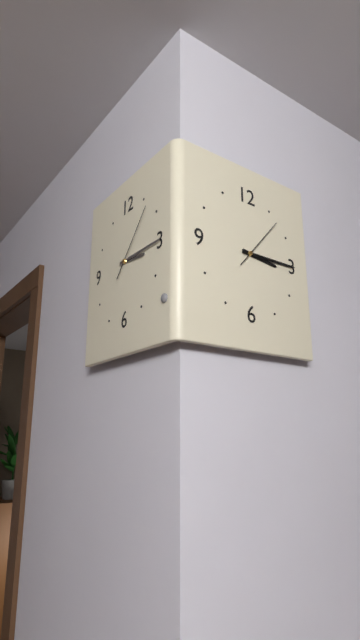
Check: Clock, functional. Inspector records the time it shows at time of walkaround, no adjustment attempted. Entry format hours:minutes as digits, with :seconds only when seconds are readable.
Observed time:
3:15:07
